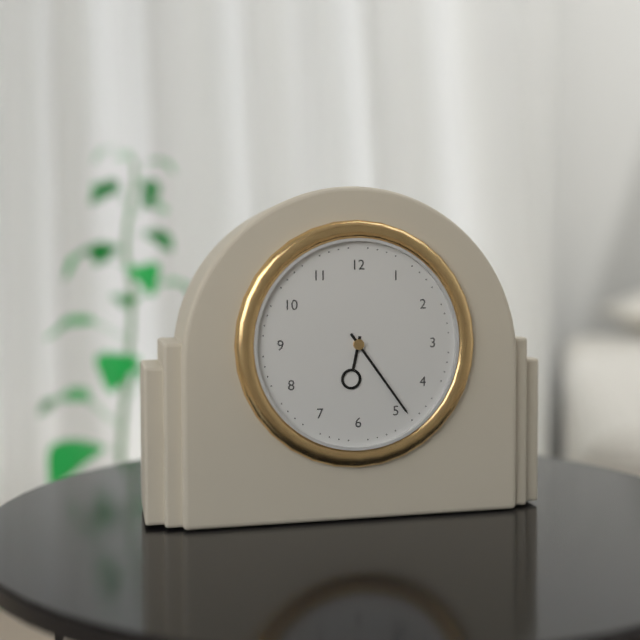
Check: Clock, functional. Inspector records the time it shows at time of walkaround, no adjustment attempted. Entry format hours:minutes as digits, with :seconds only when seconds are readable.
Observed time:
6:24
